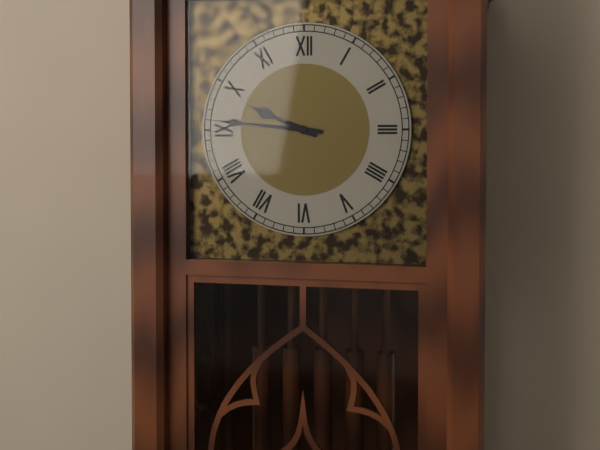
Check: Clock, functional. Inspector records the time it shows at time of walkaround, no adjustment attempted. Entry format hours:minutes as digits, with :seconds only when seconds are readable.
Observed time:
9:46
